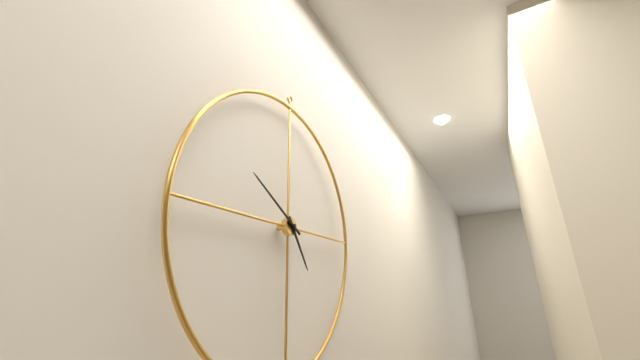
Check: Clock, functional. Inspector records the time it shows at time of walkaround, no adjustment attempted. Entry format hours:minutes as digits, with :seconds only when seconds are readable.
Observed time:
4:50
